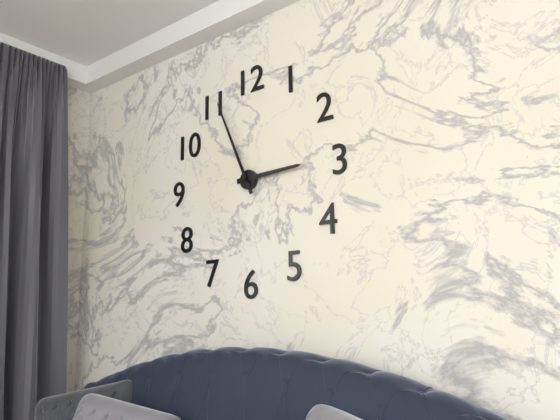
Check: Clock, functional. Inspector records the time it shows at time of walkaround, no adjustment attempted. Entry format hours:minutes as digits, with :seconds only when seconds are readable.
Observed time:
2:56
